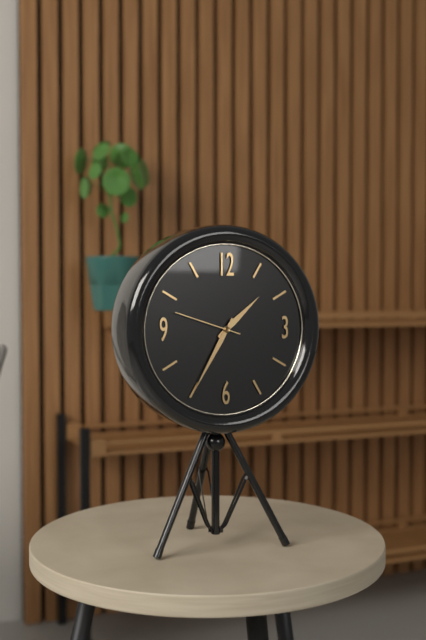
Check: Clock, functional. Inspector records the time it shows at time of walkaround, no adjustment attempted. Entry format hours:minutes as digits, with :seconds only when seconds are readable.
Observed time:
1:35:48
